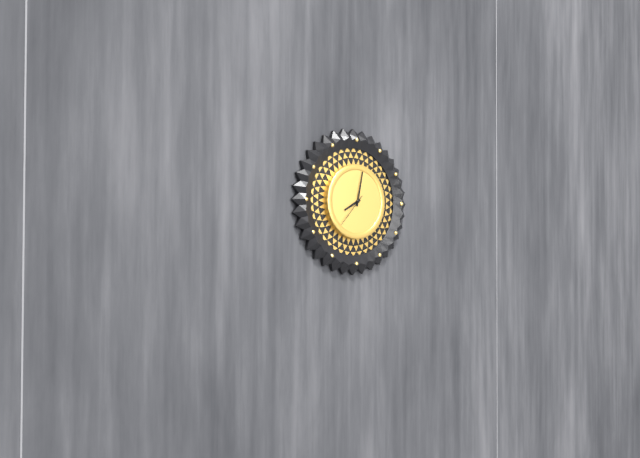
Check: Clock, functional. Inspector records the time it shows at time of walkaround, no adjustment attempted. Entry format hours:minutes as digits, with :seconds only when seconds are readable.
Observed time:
8:02
